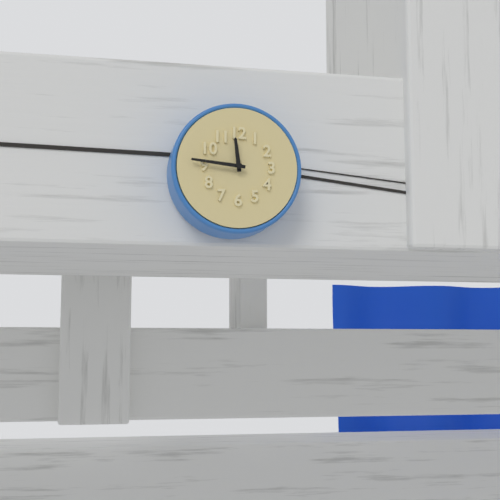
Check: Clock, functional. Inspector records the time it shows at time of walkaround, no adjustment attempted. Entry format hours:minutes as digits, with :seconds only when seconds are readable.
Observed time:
11:46
